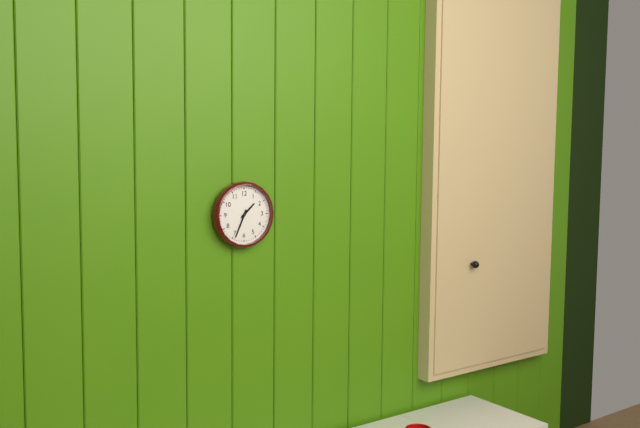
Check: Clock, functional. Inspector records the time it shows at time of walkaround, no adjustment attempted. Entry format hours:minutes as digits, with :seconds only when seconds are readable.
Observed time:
1:34
